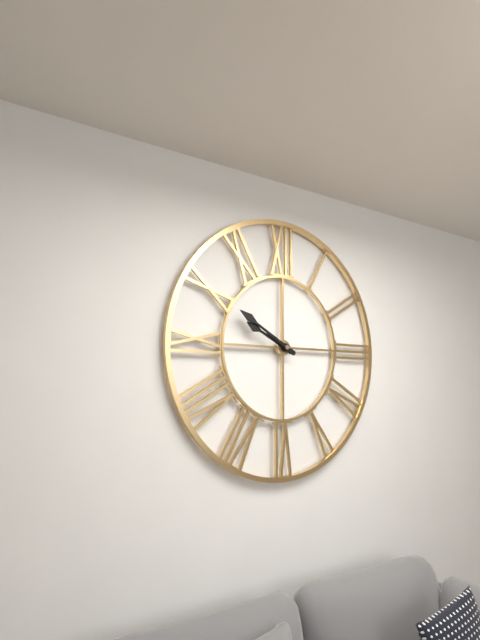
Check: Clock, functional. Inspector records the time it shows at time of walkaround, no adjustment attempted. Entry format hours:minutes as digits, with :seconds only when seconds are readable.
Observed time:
9:50
